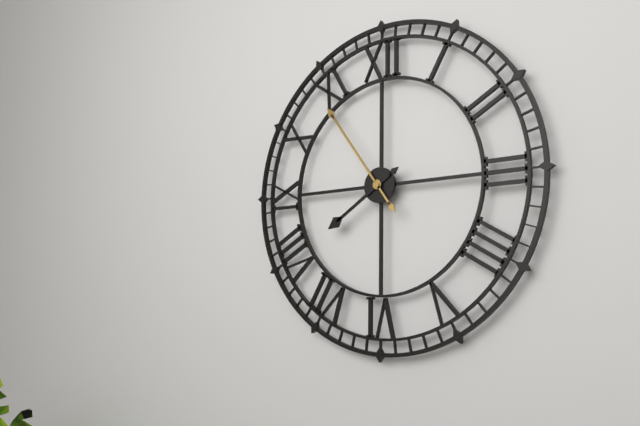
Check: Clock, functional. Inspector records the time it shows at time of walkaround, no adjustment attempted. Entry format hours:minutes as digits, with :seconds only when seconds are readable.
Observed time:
7:54
